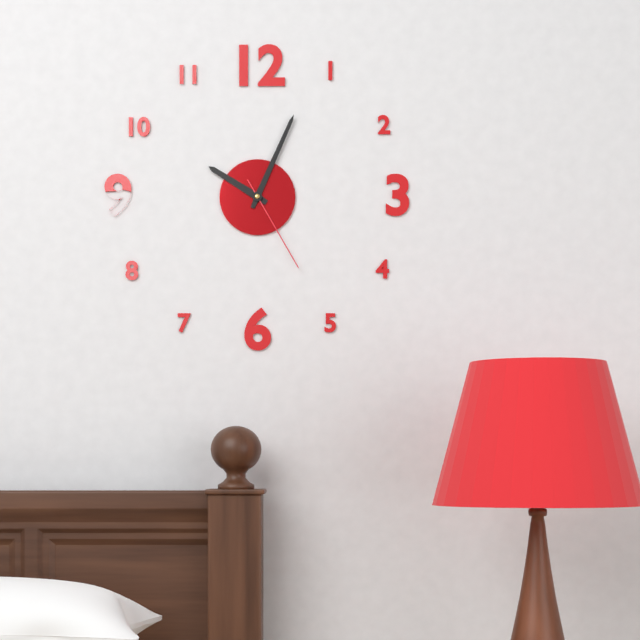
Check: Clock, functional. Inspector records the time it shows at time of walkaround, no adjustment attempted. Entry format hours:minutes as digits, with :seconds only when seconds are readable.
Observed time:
10:04:25
